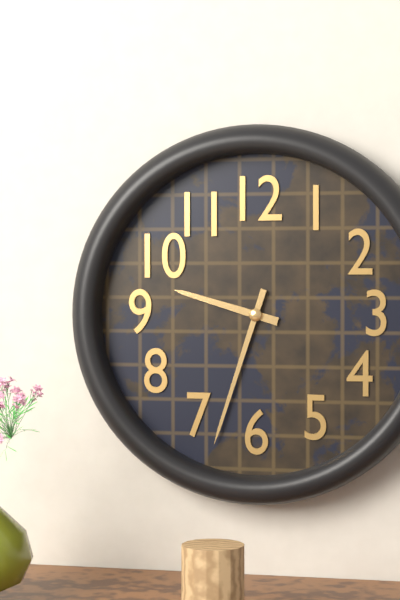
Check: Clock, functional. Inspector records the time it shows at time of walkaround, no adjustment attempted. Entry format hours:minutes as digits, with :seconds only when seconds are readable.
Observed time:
9:33
